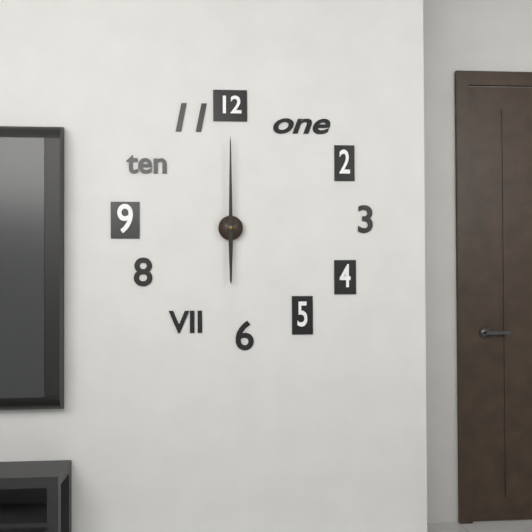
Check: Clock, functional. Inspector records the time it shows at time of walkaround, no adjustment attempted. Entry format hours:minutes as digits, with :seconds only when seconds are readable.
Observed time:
6:00
